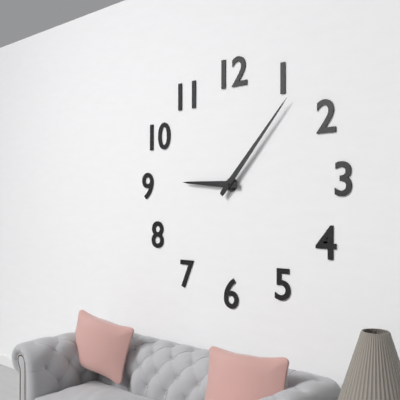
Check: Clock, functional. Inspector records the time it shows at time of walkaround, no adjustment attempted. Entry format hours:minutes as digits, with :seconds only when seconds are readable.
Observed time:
9:07
